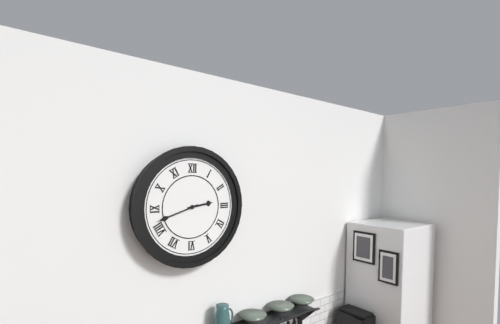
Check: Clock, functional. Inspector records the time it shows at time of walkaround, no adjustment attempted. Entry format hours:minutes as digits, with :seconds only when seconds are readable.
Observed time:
2:42
